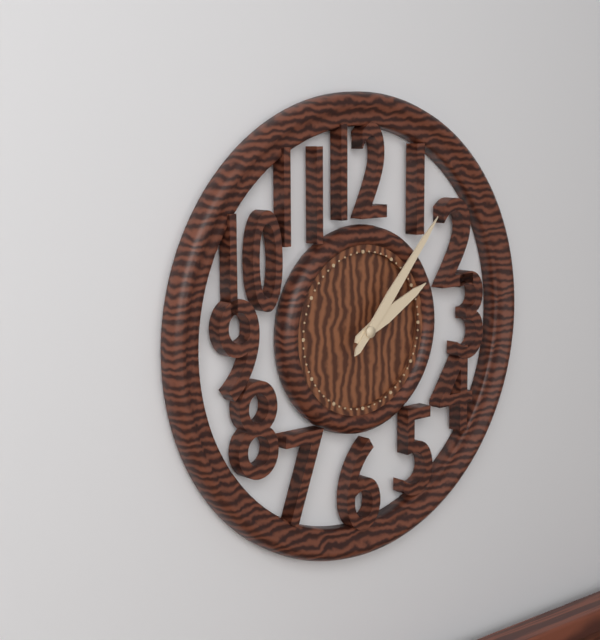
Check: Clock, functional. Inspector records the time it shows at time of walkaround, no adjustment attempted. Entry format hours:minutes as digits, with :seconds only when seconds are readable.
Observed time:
2:07
